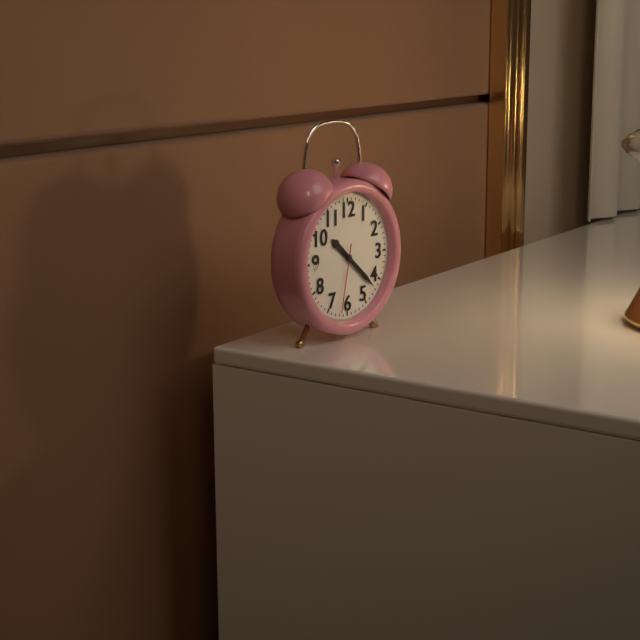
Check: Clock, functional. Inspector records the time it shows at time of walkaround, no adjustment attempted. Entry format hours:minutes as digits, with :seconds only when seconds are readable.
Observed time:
10:22:32
